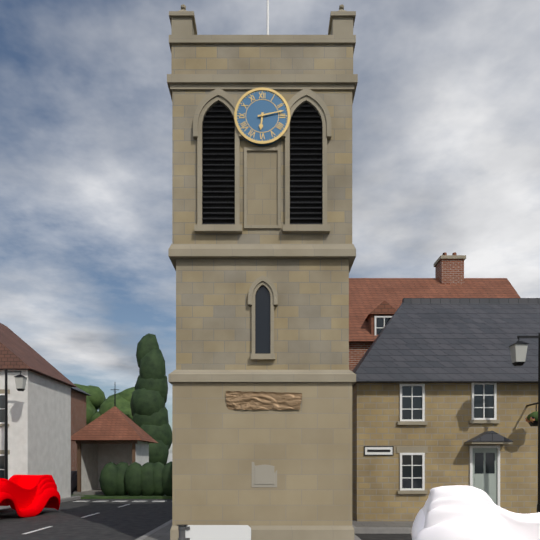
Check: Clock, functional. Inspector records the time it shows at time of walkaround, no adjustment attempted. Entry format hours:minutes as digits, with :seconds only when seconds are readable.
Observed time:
6:13
